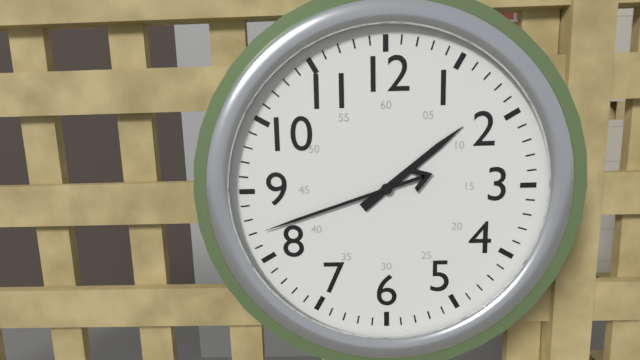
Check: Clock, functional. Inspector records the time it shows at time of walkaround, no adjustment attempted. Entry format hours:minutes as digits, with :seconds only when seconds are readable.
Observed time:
1:42
